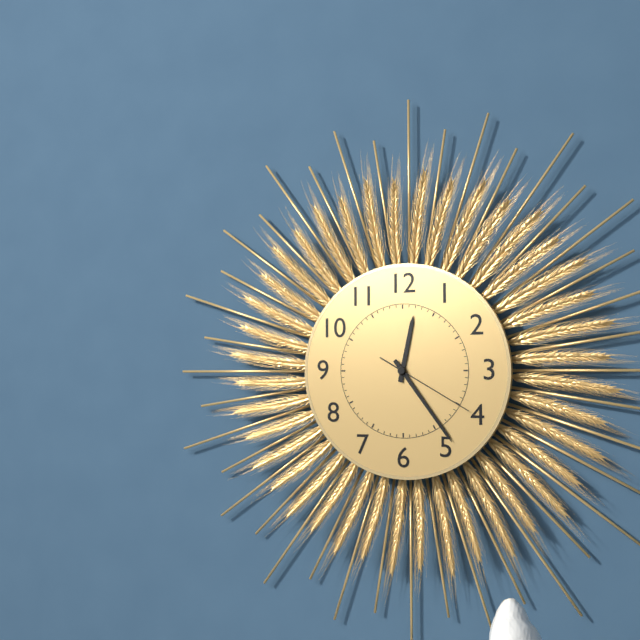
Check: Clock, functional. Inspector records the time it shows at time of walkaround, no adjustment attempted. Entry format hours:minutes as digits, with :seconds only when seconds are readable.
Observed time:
12:24:20
